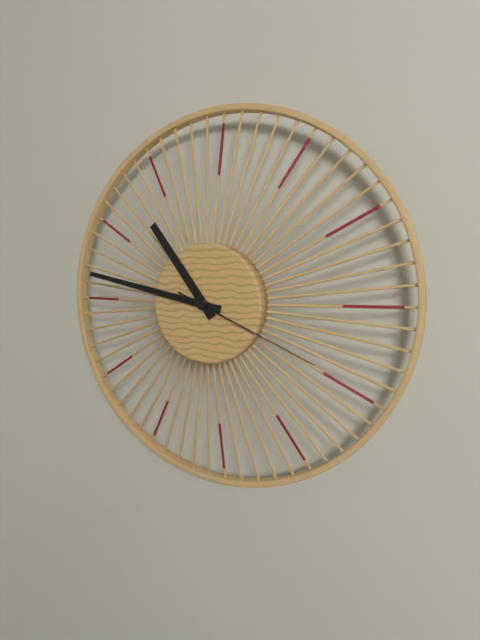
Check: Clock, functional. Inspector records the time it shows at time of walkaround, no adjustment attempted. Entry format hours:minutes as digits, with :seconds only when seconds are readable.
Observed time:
10:47:19
